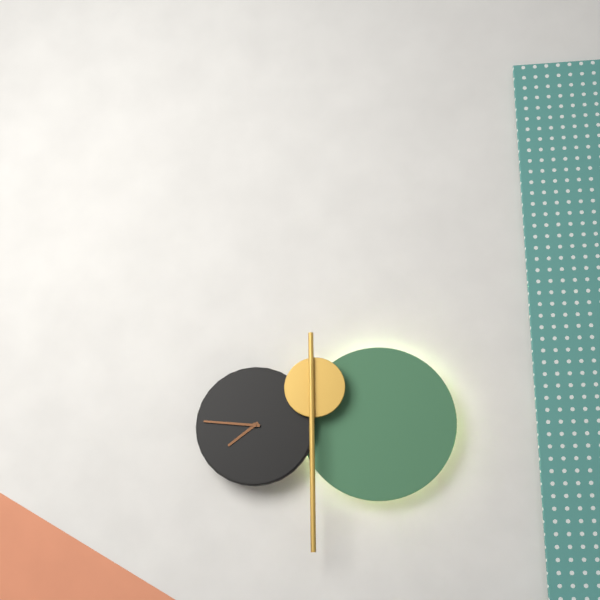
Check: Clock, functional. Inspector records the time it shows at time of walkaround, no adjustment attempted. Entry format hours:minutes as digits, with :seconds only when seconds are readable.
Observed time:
7:46
